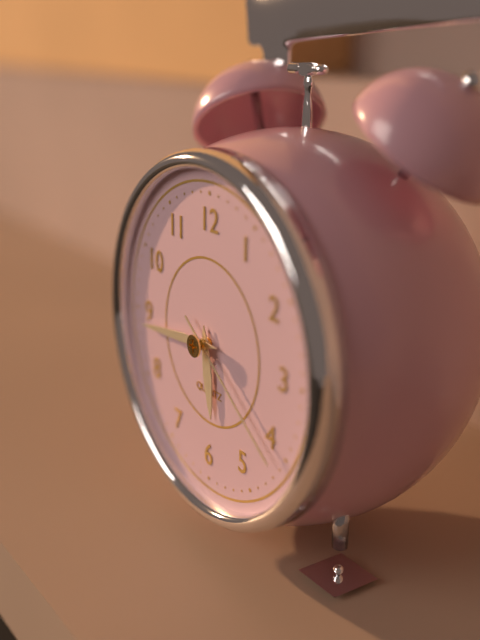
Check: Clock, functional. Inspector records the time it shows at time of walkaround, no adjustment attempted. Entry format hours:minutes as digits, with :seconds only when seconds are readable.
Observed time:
5:44:21
